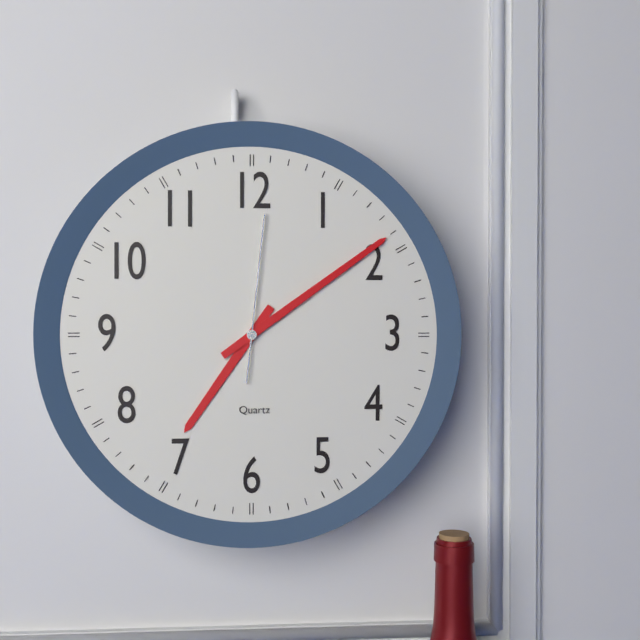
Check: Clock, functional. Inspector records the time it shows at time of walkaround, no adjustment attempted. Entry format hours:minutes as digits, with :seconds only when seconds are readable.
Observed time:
7:09:01
